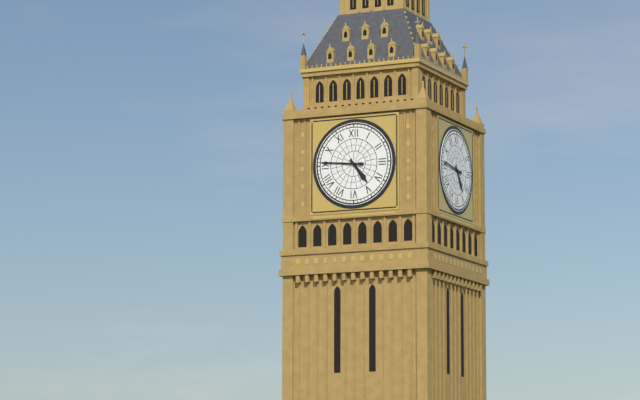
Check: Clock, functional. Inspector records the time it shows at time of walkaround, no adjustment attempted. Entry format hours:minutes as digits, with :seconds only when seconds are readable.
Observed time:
4:46
